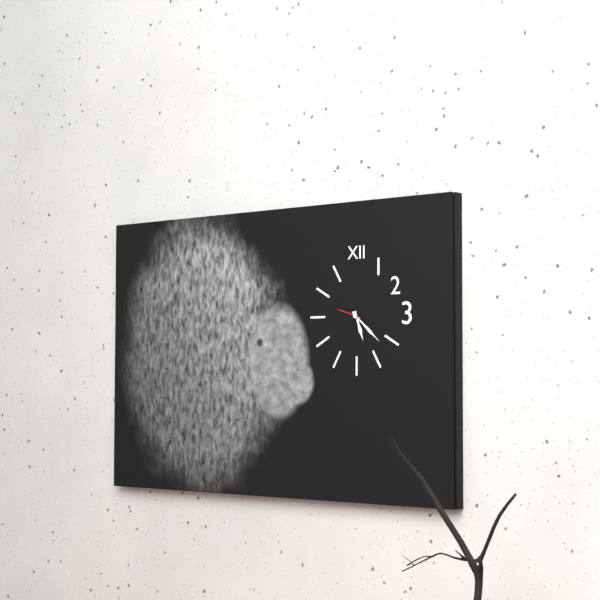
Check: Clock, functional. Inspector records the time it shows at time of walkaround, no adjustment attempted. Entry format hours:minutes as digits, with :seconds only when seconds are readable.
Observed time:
5:22
